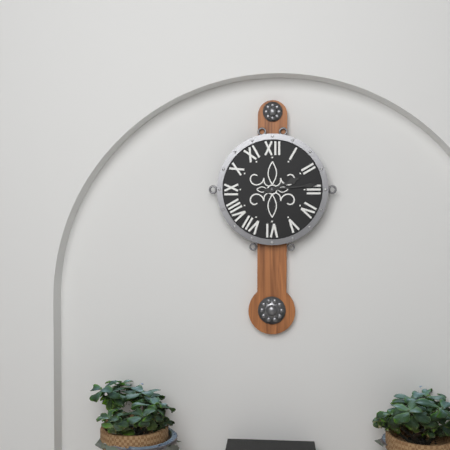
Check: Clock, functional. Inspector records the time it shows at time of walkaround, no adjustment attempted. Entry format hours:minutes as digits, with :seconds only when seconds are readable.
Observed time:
2:14
